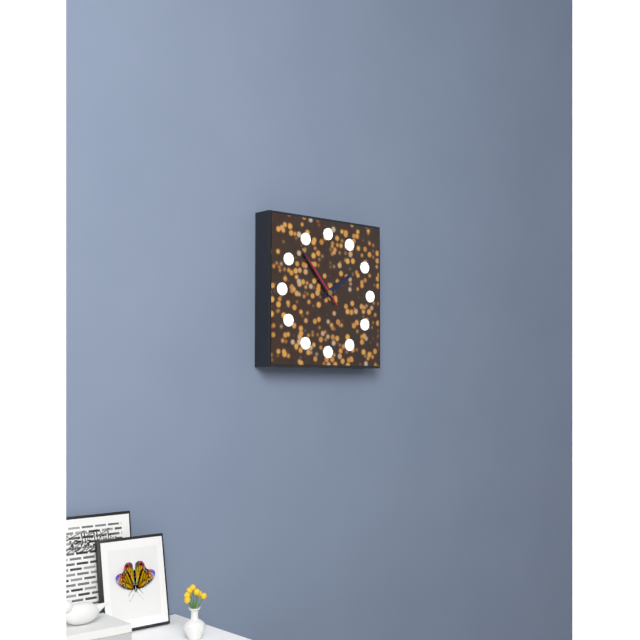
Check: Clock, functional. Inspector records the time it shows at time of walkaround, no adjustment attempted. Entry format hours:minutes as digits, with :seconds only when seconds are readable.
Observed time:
1:53:53
